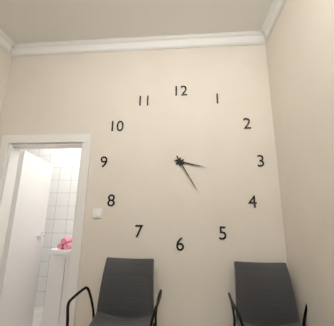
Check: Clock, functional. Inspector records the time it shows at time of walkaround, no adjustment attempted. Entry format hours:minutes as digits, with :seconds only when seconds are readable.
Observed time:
3:25
